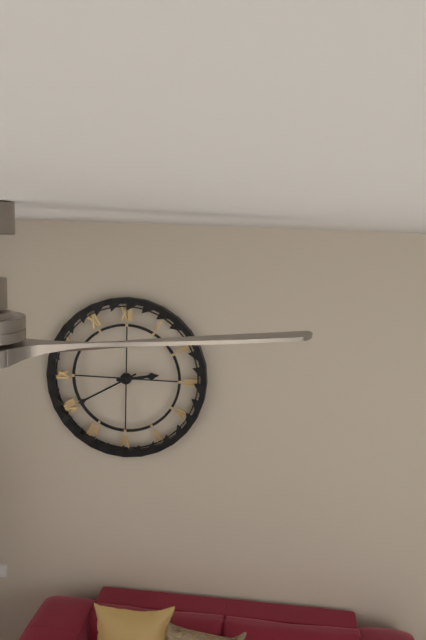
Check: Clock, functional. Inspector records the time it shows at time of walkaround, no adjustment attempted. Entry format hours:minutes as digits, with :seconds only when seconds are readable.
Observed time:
2:40
